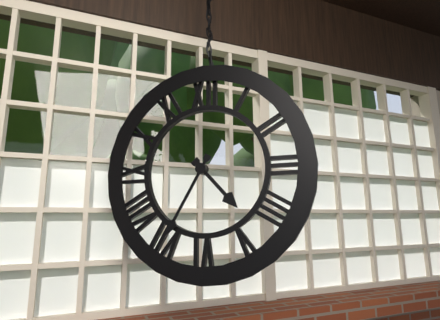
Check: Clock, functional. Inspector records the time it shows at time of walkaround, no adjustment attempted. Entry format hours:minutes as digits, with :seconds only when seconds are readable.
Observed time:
4:35
